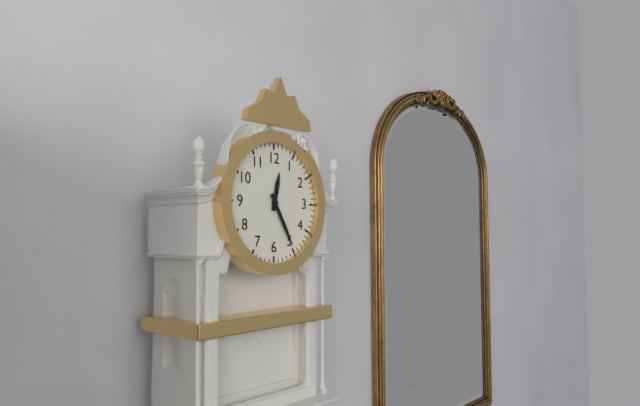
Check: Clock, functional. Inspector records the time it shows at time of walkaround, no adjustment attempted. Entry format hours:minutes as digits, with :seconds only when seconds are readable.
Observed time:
12:25
